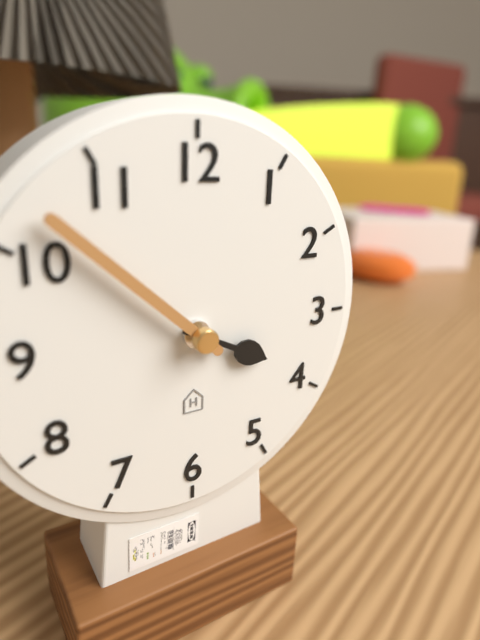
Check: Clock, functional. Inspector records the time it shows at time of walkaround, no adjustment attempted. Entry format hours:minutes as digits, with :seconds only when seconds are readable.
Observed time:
3:52
